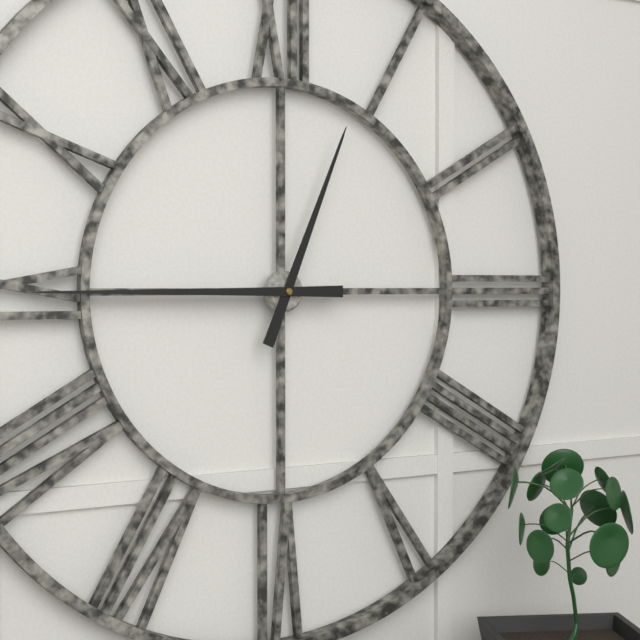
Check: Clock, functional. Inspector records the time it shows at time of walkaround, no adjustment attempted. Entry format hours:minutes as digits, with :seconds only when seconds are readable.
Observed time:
12:45
